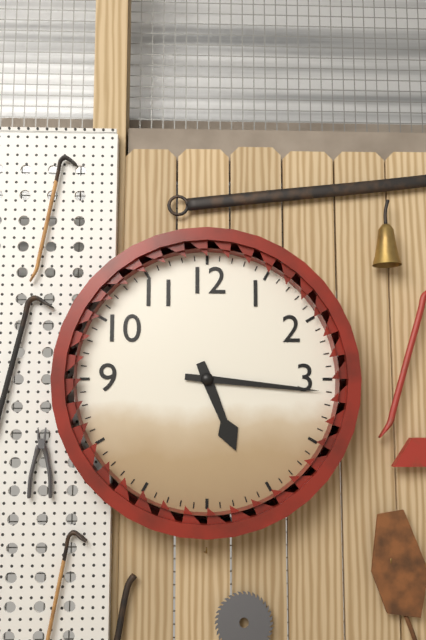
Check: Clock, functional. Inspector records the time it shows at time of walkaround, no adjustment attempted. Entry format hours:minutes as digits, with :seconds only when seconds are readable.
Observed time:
5:16
